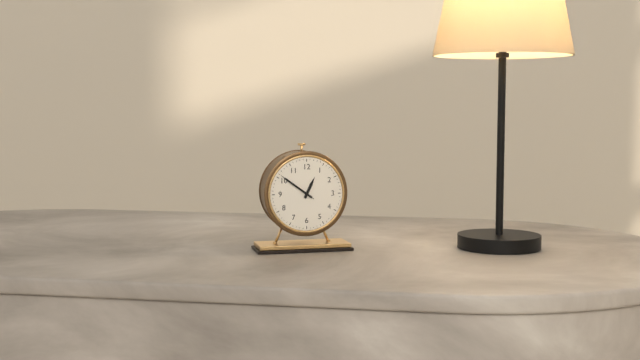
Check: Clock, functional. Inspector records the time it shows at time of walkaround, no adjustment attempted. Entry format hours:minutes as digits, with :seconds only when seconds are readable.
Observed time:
12:51
